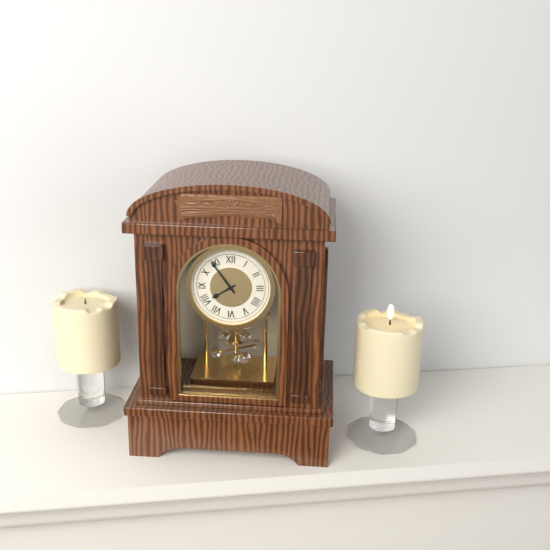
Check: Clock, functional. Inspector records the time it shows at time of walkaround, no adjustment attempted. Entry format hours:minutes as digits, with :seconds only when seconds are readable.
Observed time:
7:54
